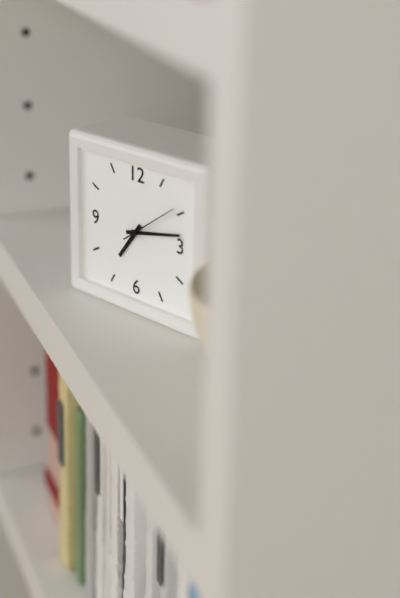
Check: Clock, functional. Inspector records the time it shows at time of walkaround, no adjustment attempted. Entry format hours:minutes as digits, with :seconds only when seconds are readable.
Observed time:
7:13:09
